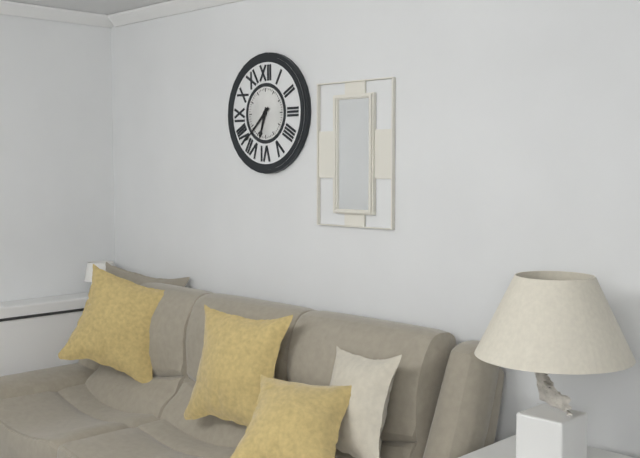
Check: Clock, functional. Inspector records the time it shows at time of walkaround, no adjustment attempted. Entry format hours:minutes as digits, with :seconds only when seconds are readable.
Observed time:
6:38
